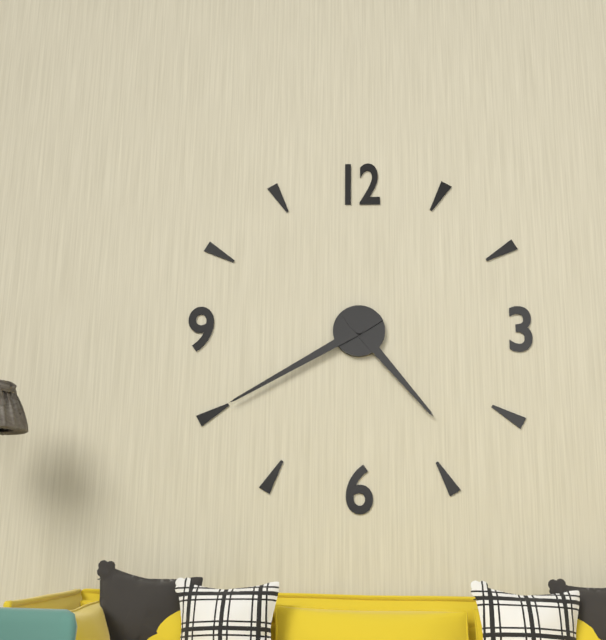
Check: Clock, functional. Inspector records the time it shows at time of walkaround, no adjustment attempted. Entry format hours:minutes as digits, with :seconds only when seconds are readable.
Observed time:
4:40
